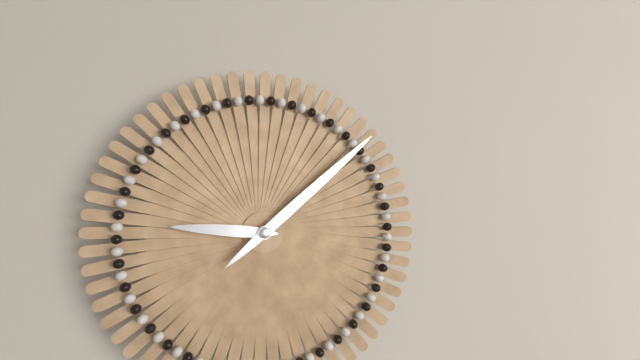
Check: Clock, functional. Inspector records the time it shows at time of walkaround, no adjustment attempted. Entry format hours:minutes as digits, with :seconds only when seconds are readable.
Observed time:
9:08
